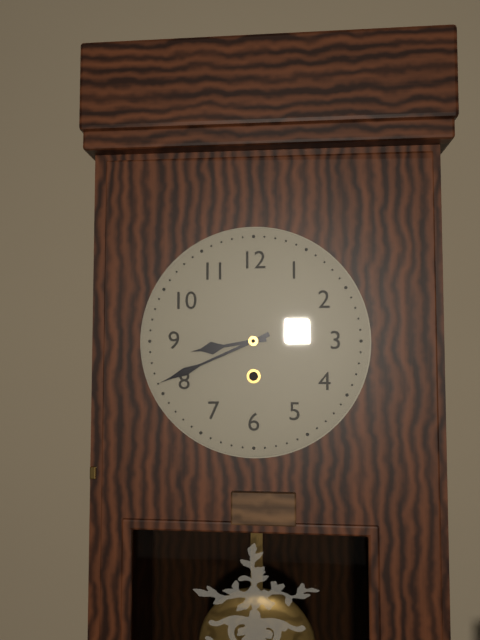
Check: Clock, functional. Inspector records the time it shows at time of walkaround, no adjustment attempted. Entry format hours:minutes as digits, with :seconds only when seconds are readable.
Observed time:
8:41
